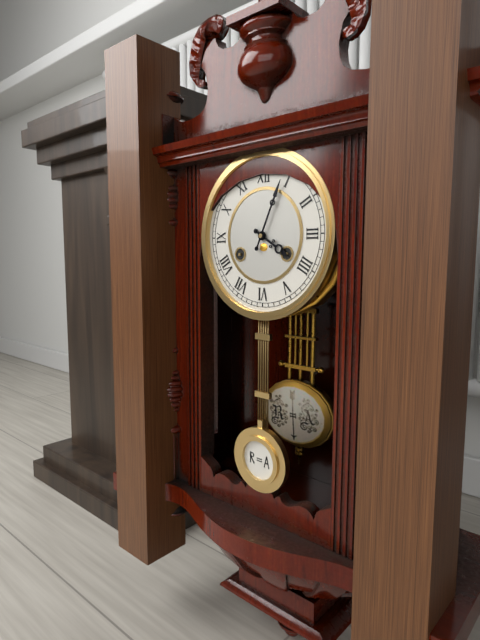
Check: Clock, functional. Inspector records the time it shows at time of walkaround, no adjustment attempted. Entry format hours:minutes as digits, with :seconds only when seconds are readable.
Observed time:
4:04
